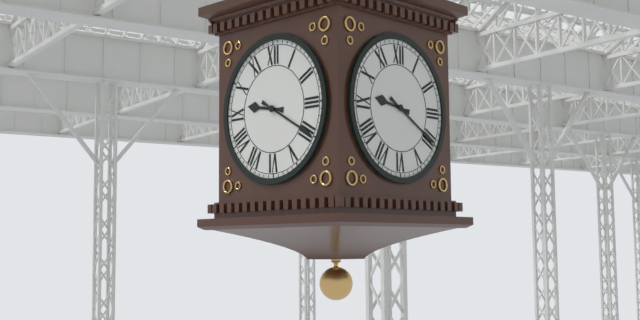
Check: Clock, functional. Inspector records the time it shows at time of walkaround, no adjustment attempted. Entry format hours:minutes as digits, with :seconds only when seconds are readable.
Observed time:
9:20
